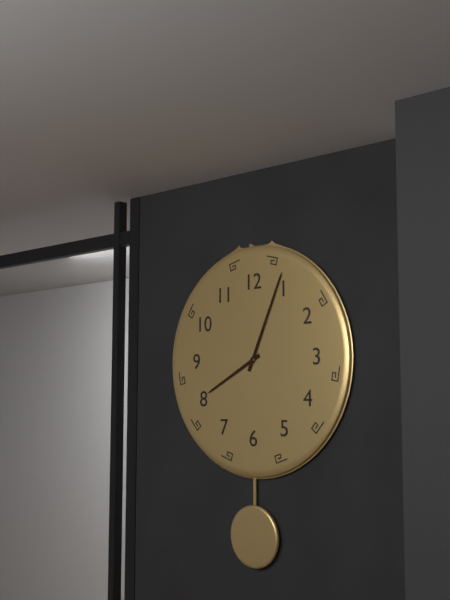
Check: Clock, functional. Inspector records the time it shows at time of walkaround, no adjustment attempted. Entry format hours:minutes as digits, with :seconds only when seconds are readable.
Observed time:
8:04
